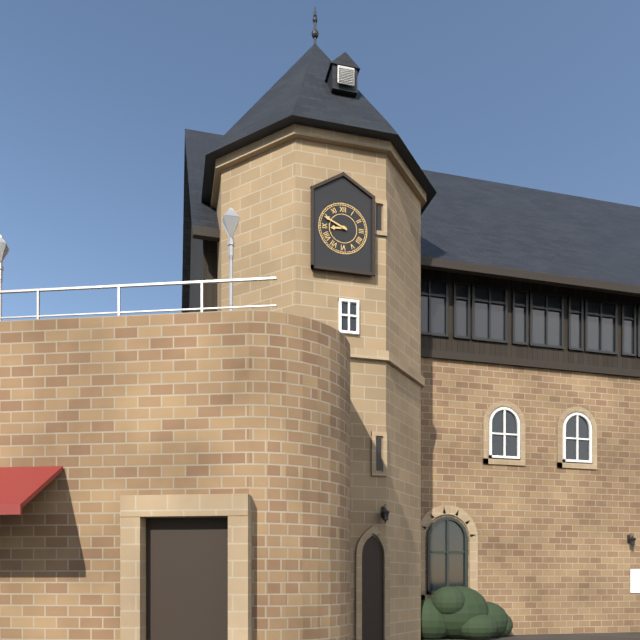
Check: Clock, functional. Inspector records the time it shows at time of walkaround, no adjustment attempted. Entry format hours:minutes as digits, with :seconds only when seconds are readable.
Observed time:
8:49
